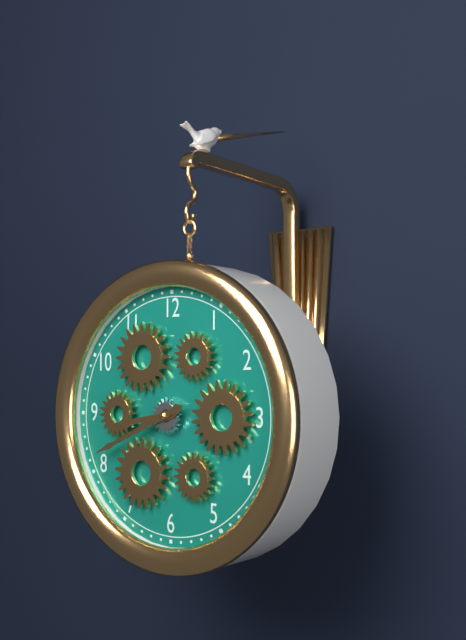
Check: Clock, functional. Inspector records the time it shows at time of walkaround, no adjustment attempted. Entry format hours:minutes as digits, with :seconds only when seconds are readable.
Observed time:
8:41
